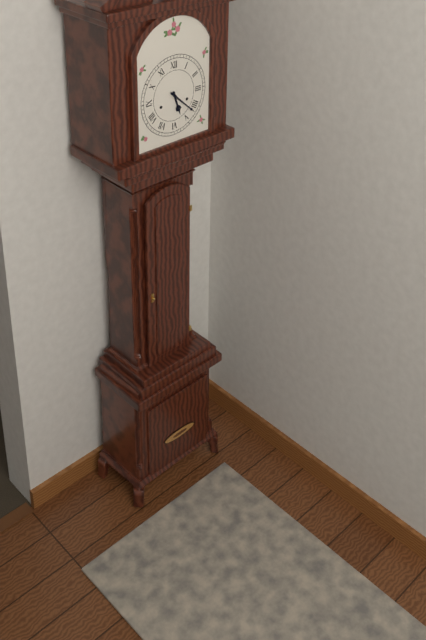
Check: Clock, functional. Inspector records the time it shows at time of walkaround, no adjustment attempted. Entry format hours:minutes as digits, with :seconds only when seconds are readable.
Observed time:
5:22
